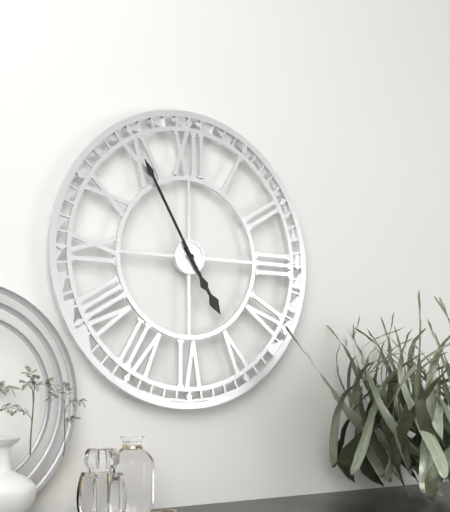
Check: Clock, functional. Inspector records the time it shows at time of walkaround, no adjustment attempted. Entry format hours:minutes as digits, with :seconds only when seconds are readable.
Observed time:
4:55
